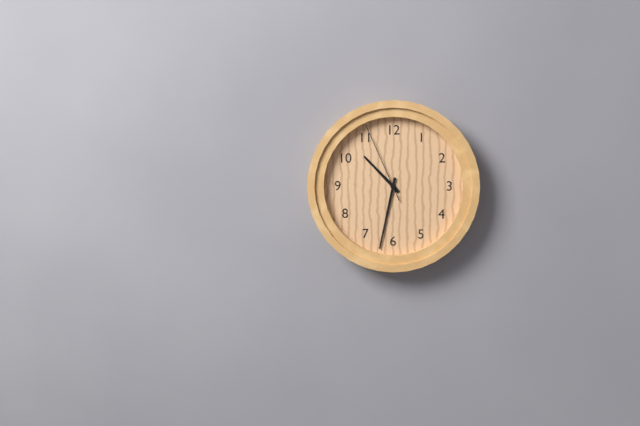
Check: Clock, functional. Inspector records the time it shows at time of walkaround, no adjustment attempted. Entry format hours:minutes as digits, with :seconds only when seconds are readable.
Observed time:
10:32:56
